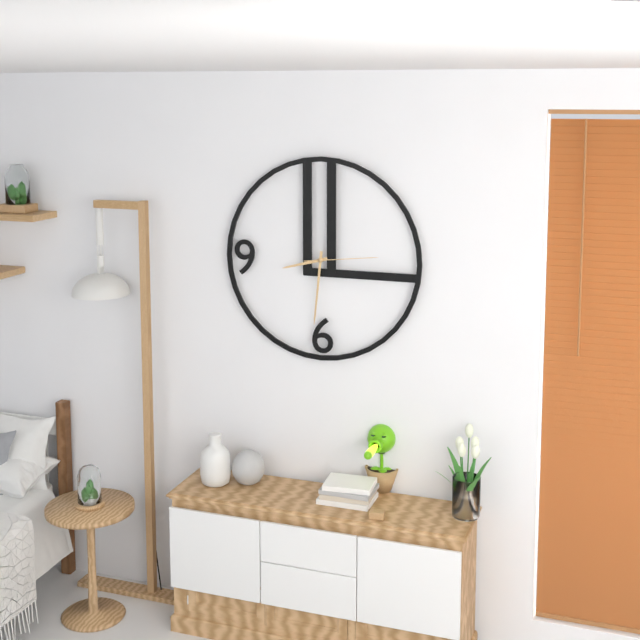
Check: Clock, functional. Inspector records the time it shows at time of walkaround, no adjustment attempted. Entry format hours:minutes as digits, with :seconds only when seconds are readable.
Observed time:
8:31:14
